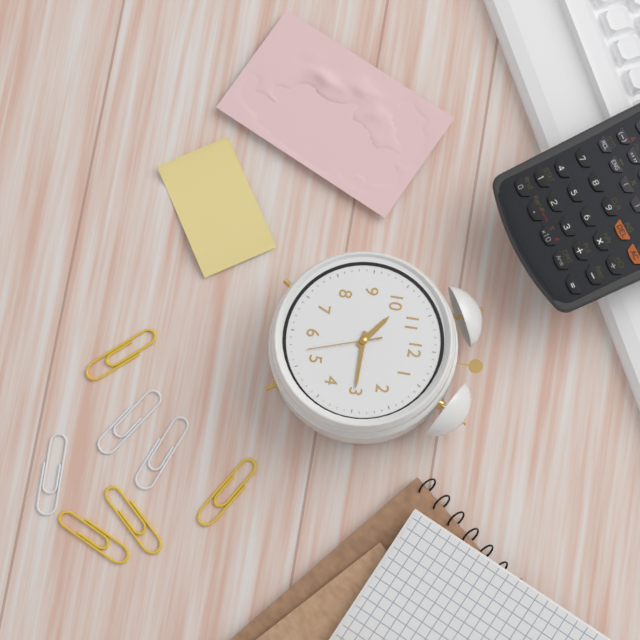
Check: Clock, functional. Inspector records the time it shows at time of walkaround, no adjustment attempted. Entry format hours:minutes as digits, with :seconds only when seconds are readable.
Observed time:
10:15:27
